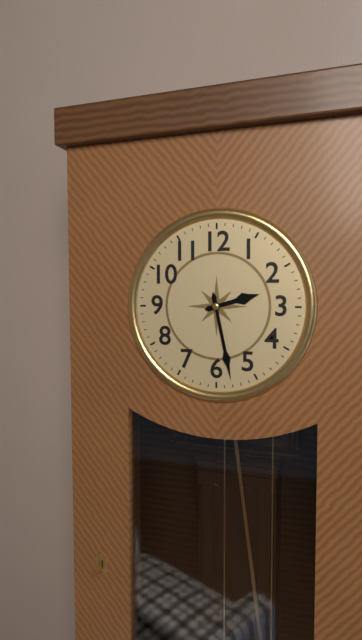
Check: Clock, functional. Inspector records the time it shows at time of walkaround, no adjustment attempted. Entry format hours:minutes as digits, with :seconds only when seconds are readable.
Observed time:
2:28
